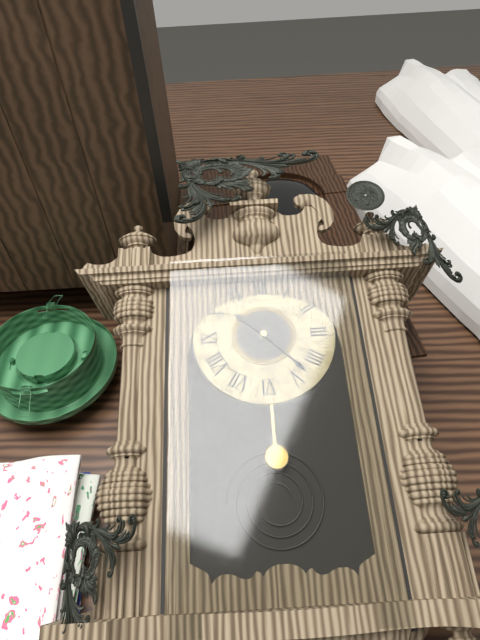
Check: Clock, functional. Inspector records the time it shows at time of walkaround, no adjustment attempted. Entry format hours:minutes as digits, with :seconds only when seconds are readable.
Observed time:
10:23
